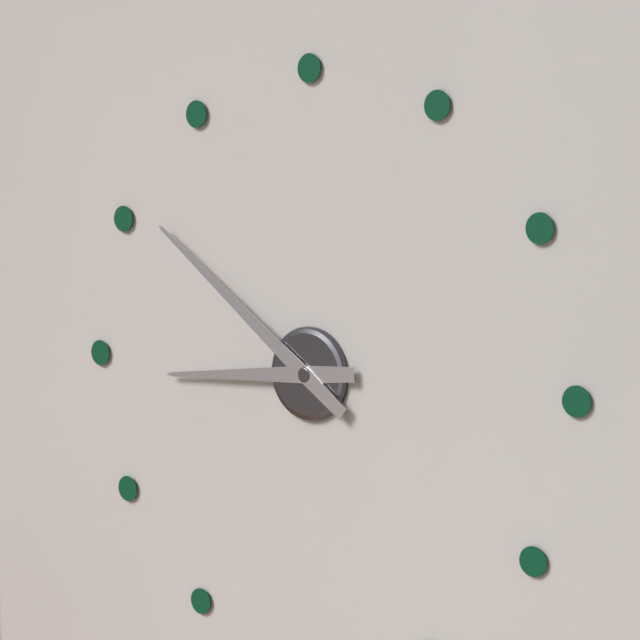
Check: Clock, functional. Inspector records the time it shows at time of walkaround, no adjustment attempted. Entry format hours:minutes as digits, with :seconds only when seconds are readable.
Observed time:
8:51
